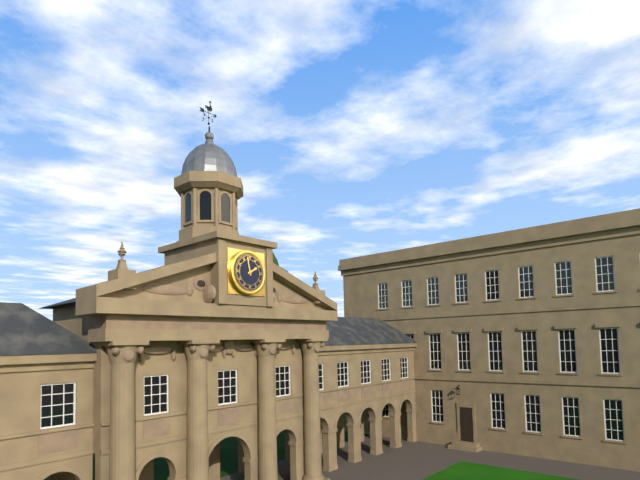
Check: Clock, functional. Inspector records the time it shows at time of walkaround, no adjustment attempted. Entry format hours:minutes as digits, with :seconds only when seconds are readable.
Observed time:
1:58
